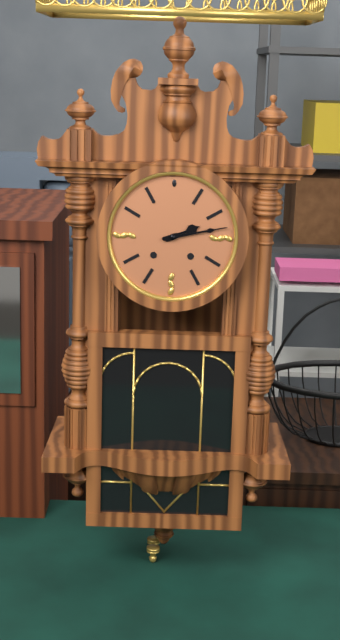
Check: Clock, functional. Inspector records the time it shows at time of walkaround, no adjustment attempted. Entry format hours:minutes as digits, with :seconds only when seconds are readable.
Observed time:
2:13
